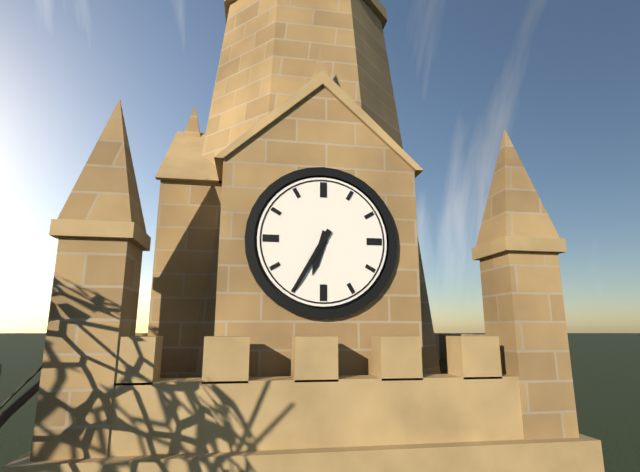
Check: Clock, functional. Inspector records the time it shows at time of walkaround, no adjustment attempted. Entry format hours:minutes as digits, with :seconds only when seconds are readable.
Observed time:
6:35
